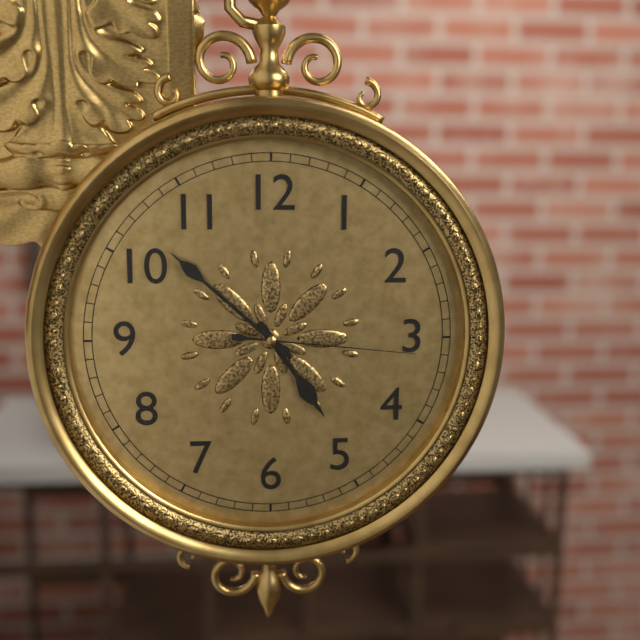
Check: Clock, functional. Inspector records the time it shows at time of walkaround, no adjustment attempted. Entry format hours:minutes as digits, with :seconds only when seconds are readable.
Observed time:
4:52:16
